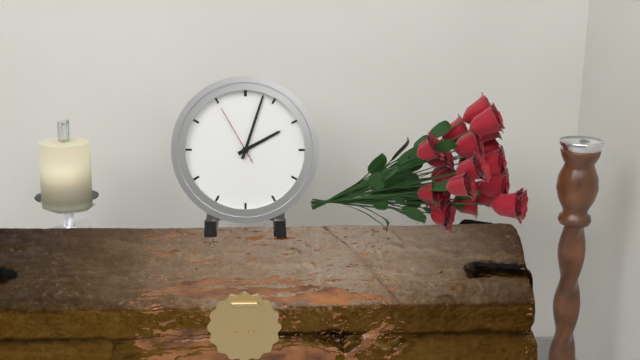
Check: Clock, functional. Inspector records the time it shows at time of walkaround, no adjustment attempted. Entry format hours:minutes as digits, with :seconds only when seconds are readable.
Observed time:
2:03:55
